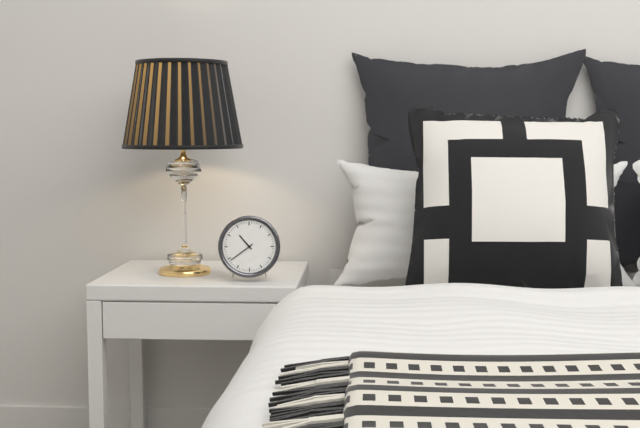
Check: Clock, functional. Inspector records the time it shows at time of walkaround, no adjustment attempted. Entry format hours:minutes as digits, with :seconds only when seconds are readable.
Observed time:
10:39
